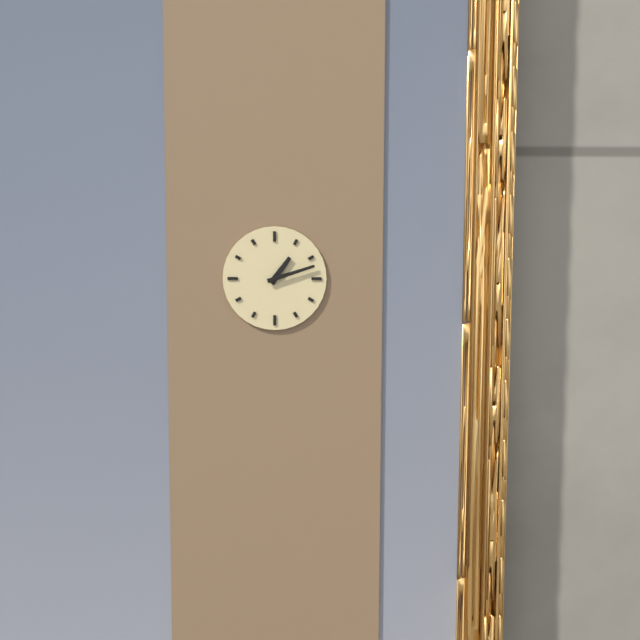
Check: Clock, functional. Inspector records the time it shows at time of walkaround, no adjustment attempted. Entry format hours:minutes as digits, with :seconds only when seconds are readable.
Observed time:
1:12
